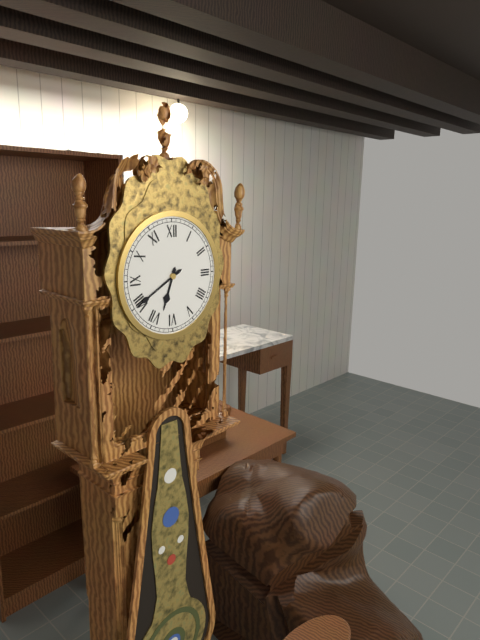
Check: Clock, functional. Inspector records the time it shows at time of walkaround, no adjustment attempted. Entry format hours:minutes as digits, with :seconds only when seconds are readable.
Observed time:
6:40
